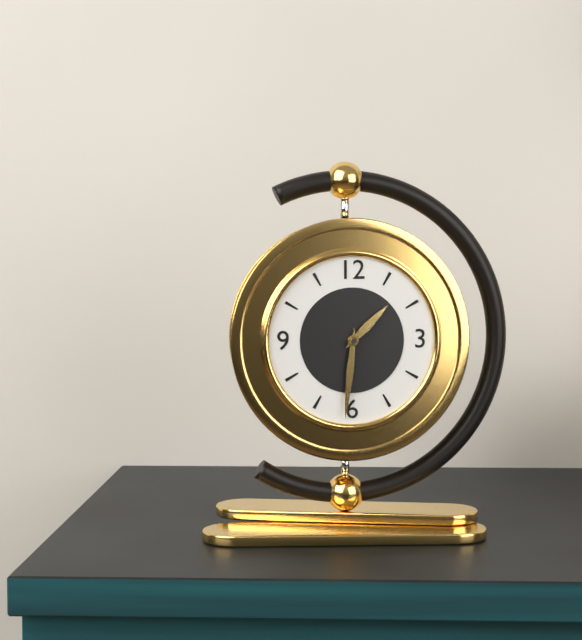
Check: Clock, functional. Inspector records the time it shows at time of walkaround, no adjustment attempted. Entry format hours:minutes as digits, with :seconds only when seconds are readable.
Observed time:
1:31
